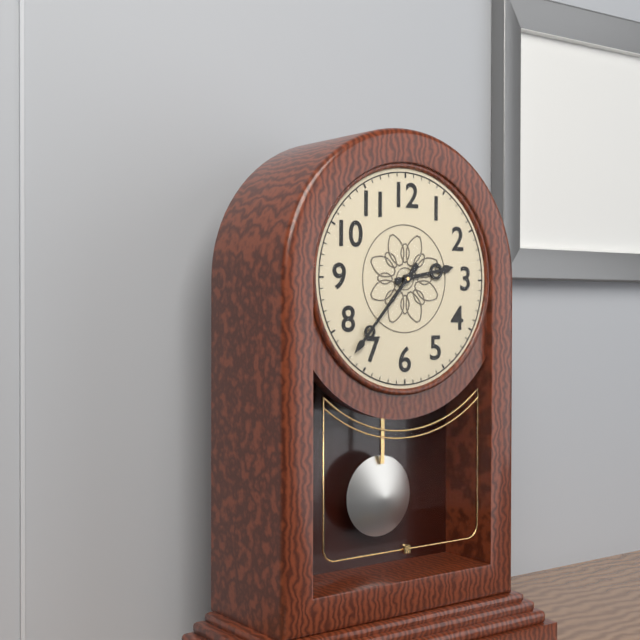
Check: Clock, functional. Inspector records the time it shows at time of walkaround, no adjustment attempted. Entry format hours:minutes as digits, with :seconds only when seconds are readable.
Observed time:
2:37
